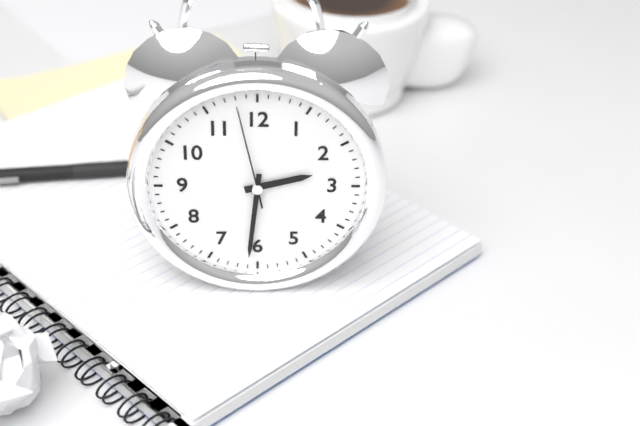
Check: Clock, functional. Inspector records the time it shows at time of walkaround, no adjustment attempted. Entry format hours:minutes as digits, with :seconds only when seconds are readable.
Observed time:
2:31:58
